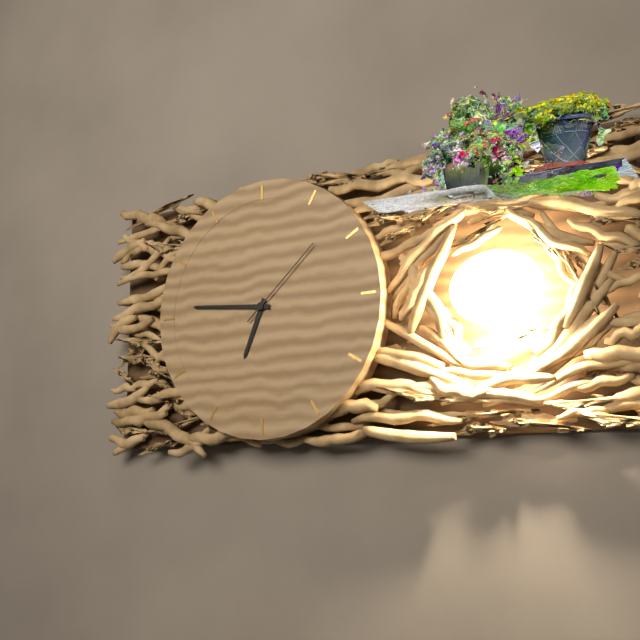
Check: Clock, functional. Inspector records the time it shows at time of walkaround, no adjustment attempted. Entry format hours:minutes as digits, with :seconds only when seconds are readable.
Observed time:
6:46:08
